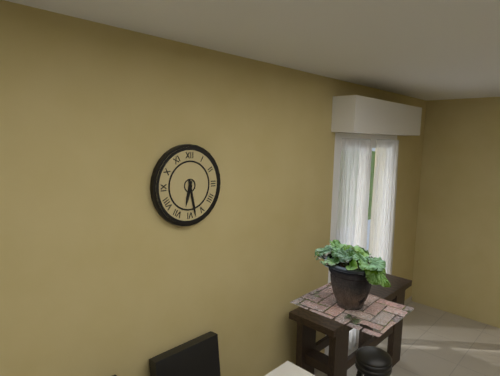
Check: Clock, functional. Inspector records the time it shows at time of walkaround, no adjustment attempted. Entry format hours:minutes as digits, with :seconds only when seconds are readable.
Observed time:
6:28
